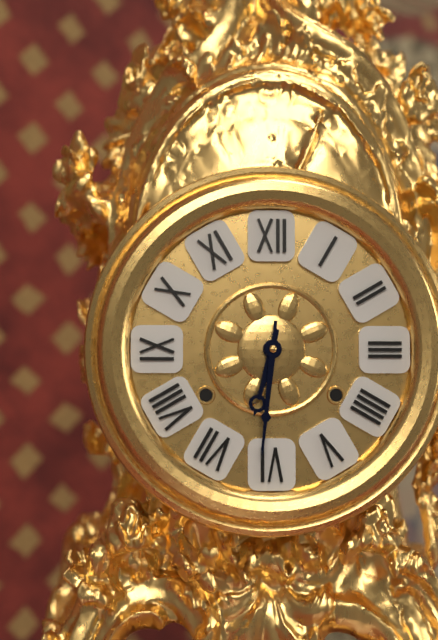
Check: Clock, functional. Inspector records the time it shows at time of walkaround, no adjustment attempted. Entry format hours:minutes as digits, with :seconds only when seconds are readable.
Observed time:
6:31
